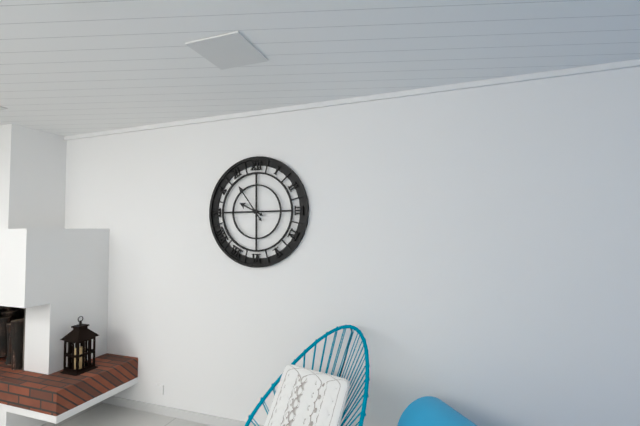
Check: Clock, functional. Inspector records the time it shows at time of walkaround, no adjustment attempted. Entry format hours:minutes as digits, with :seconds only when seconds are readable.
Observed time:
9:54
